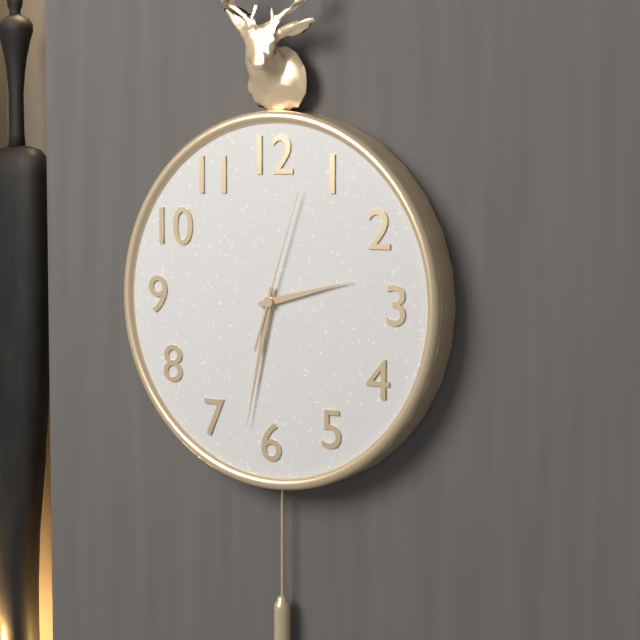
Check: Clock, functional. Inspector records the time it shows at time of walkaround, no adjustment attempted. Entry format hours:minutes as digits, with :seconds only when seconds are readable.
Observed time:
2:32:03
